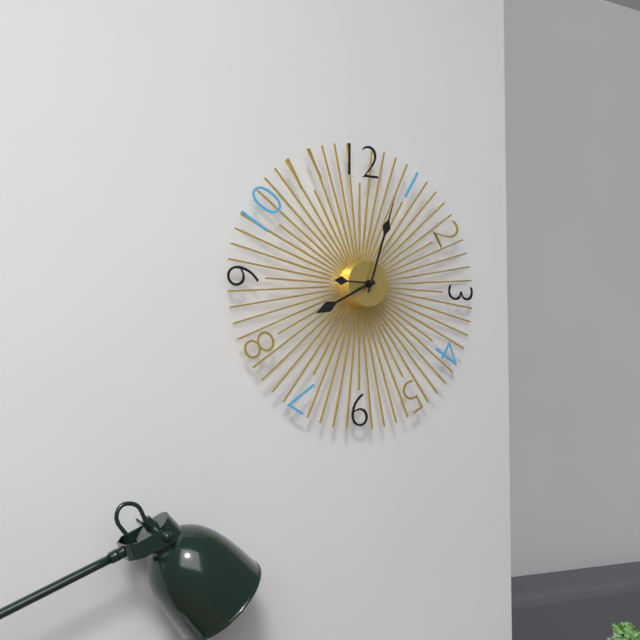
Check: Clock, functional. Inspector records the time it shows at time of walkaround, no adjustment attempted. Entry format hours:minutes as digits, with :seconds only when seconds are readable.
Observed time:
8:03
